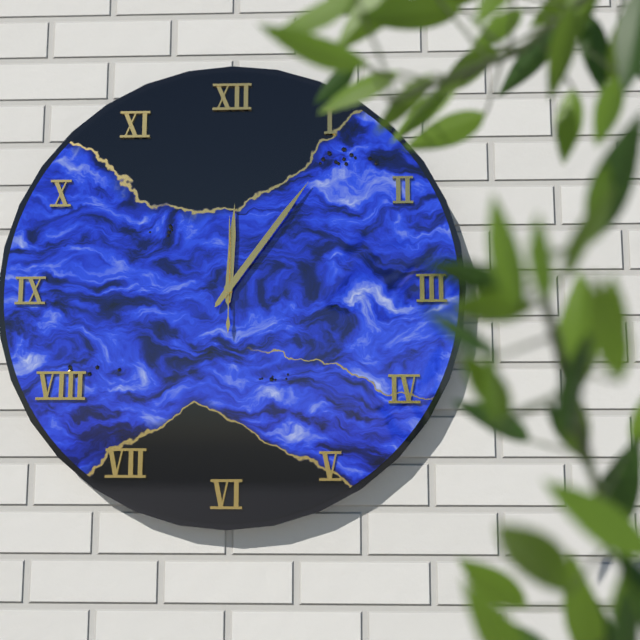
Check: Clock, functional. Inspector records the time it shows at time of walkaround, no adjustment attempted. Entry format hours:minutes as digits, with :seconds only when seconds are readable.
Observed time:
12:06:00
